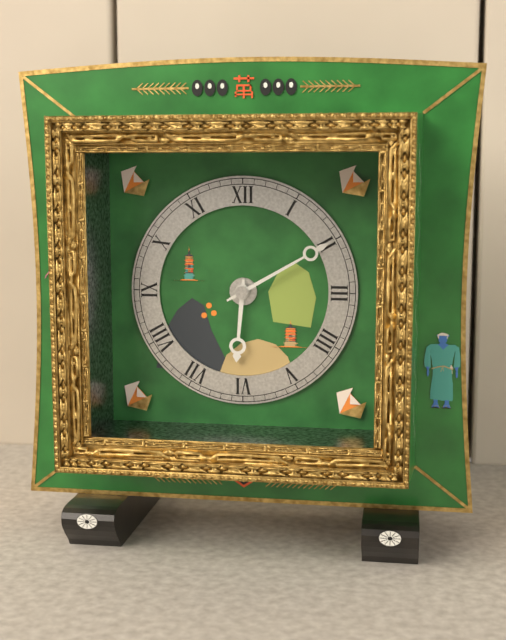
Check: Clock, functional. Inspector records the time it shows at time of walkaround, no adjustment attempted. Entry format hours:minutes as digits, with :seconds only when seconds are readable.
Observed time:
6:10
